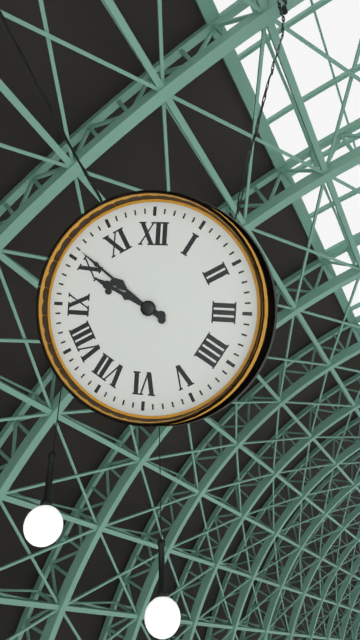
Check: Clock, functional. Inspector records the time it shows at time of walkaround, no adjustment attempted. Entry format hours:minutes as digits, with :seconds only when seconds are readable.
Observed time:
9:51
